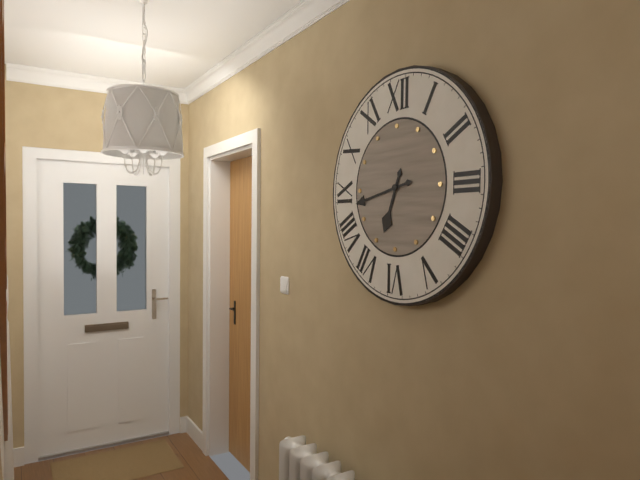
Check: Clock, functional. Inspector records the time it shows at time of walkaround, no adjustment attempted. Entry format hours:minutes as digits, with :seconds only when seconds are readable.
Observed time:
6:43
